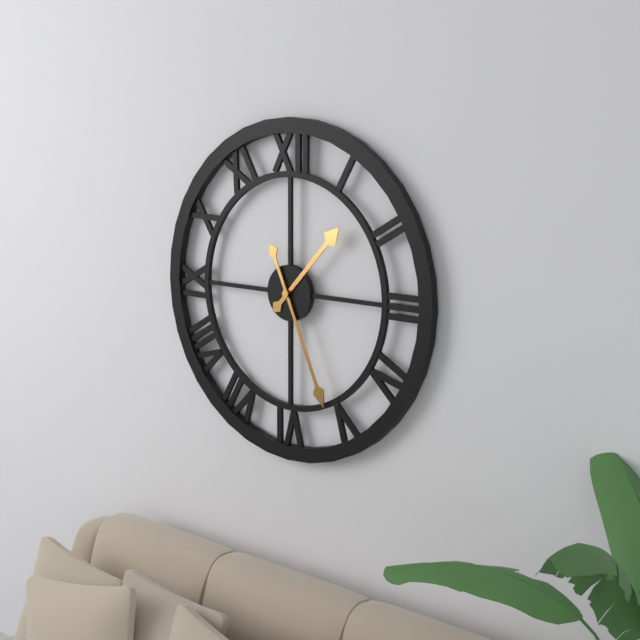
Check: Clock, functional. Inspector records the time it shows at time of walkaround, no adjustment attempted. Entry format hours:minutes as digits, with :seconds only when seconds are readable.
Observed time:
1:26
